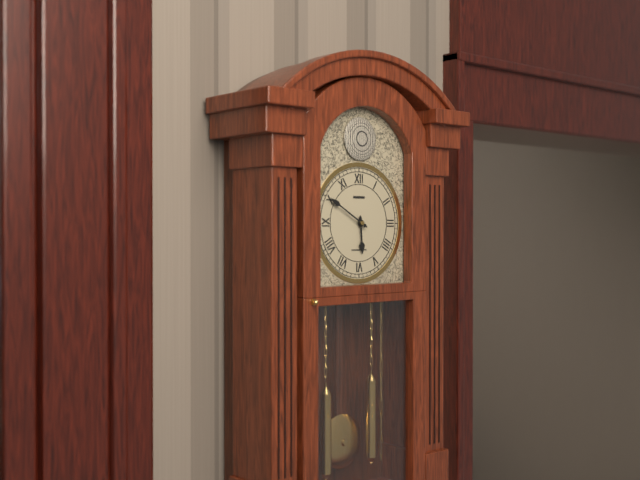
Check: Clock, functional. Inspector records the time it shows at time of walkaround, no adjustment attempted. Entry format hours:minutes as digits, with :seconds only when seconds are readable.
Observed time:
5:50
